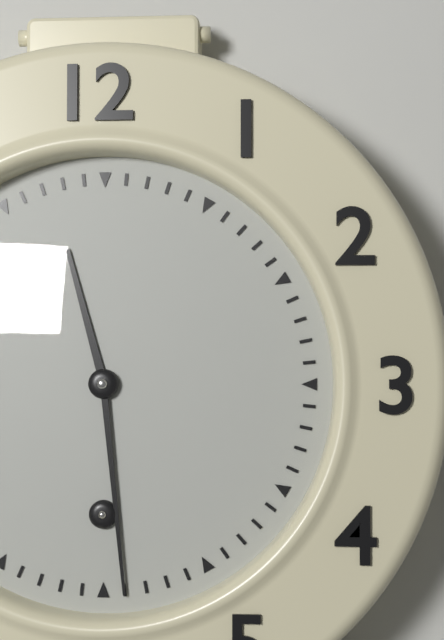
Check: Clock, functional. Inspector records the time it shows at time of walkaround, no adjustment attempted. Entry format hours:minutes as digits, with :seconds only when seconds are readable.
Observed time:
11:29
